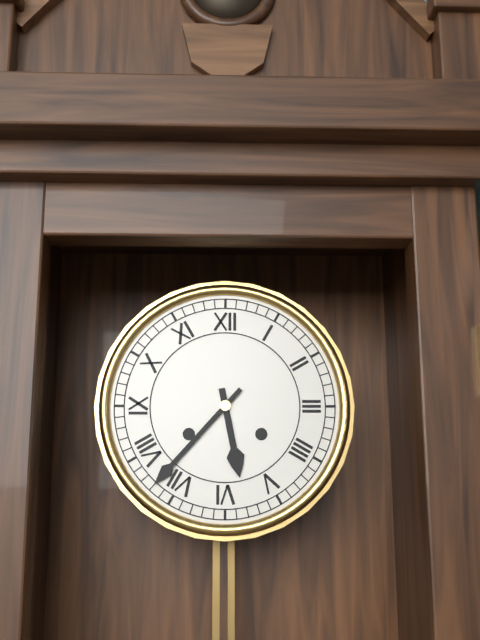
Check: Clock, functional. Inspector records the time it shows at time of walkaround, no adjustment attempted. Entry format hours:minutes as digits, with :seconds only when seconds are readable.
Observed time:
5:37
